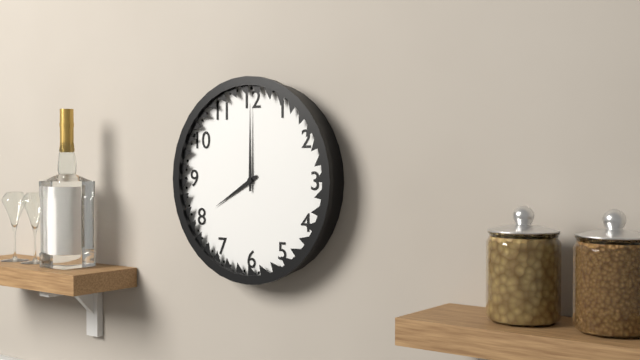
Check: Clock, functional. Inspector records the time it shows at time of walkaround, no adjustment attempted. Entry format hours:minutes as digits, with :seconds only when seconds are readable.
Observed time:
8:00
